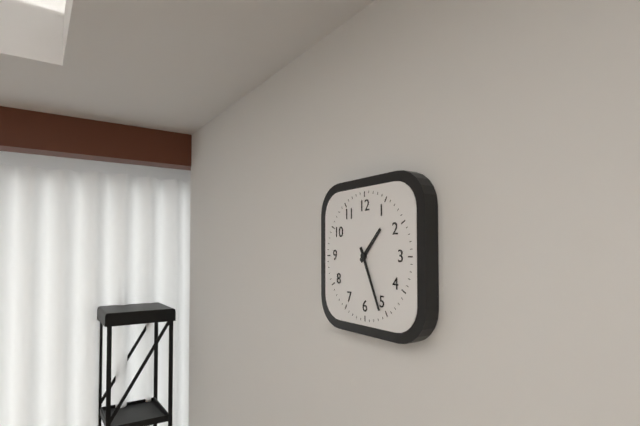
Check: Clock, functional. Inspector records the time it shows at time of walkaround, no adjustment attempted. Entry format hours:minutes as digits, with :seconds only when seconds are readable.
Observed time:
1:26
